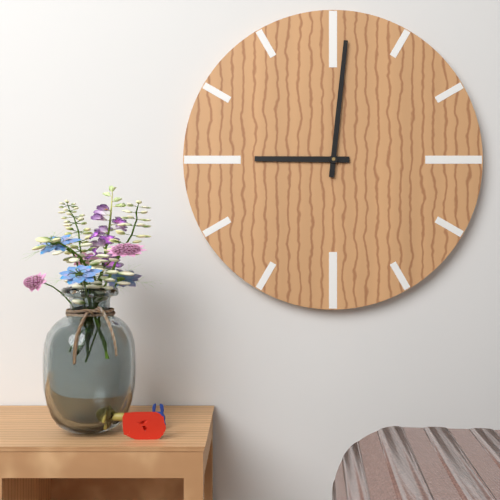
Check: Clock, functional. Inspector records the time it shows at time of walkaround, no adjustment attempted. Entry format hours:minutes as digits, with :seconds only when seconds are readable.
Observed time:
9:01
